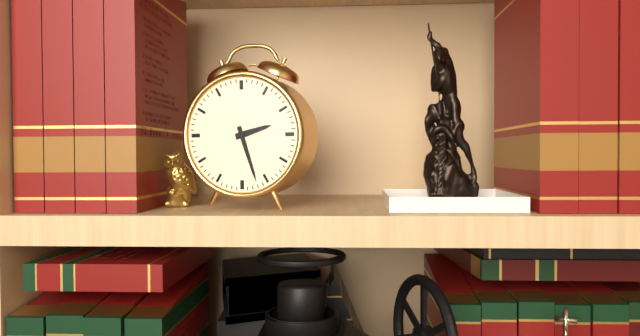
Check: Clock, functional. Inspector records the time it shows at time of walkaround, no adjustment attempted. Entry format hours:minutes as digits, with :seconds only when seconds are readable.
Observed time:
2:27
